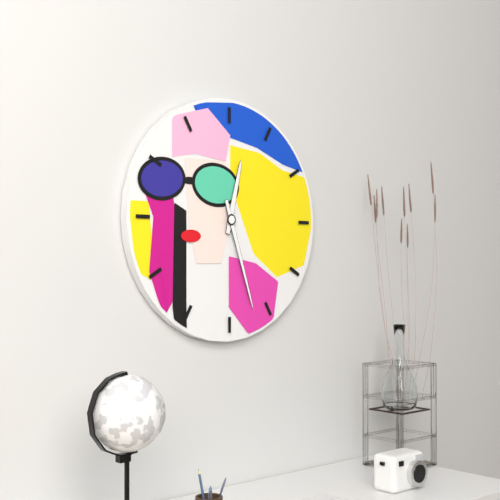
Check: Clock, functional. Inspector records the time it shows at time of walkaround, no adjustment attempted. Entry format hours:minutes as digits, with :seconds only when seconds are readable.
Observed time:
12:27
